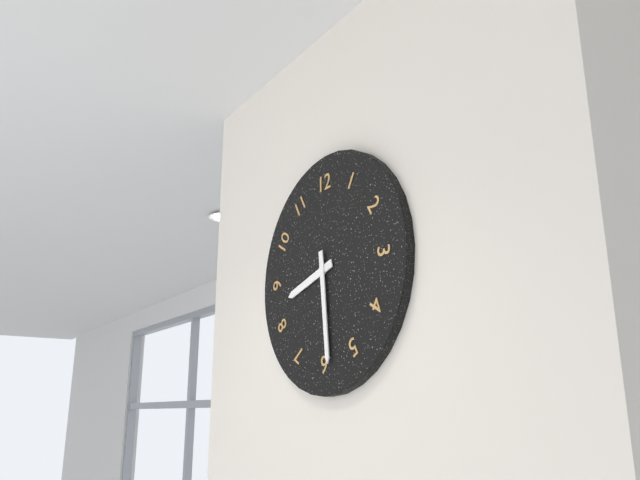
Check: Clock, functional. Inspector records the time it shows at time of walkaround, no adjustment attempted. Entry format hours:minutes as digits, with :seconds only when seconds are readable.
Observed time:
8:29
